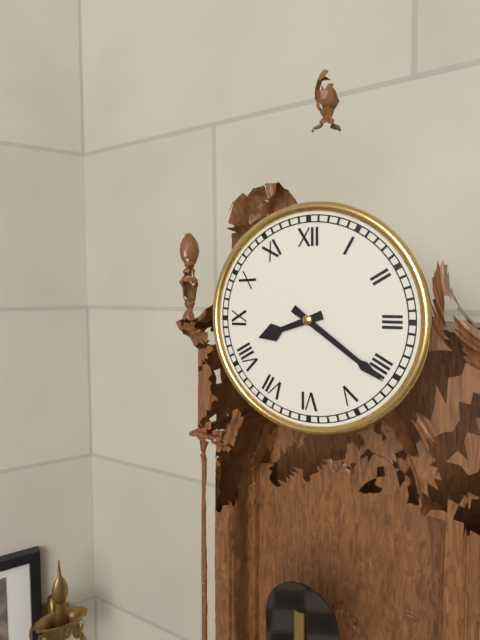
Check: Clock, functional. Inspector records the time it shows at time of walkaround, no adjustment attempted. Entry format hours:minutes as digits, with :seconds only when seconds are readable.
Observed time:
8:21
